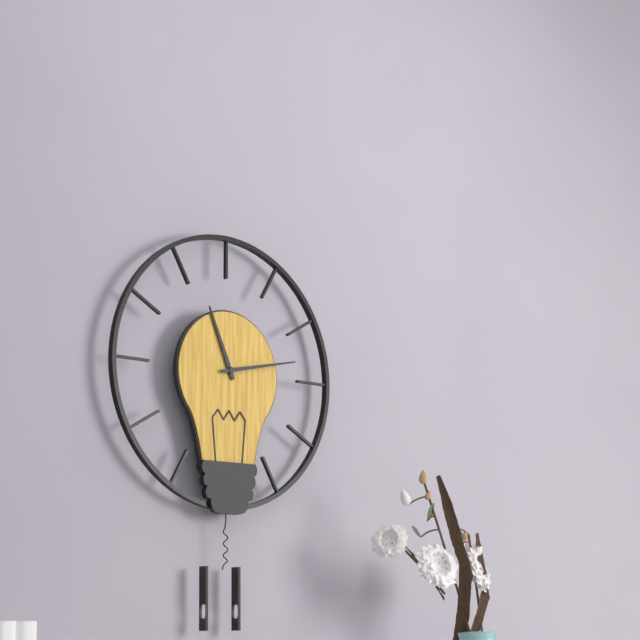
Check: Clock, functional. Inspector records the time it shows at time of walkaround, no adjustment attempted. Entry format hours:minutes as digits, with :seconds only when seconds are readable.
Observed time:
11:13
